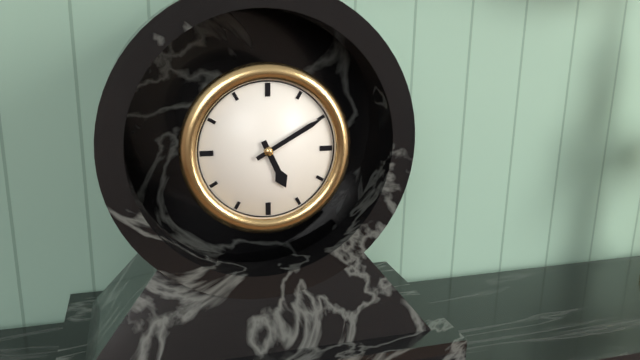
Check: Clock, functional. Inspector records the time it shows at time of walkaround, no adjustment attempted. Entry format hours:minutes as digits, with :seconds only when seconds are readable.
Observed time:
5:10
